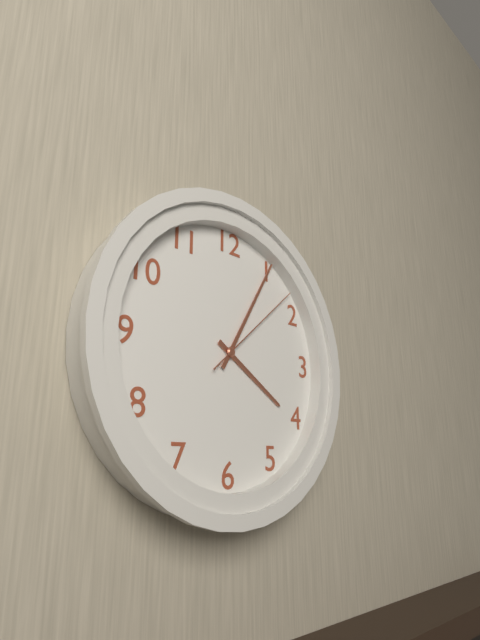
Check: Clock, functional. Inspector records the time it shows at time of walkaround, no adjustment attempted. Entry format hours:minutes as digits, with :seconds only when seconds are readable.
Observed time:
4:05:08
